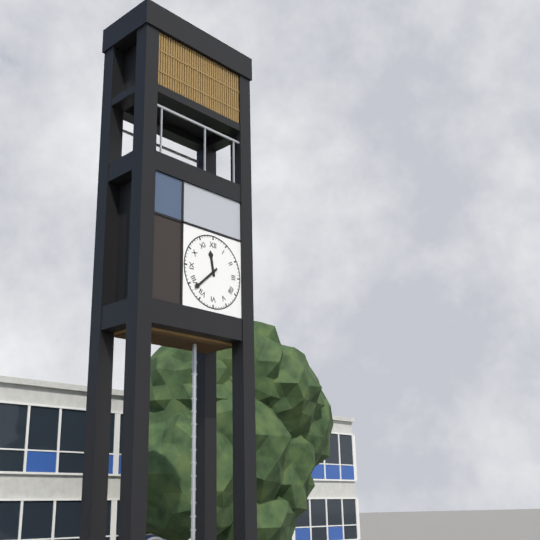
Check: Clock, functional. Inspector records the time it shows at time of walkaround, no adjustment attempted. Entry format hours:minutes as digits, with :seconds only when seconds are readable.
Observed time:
11:38
